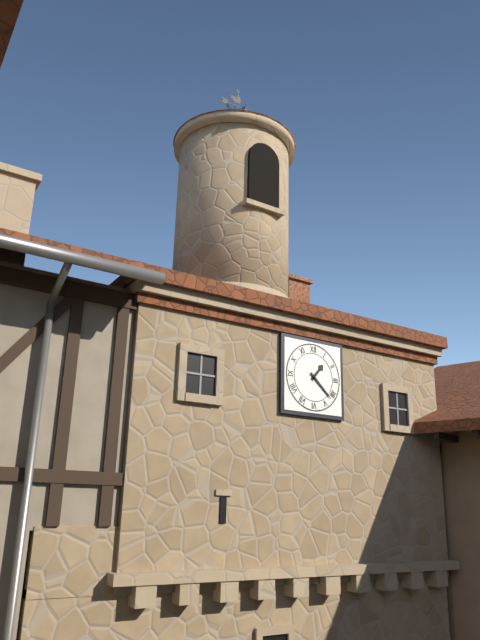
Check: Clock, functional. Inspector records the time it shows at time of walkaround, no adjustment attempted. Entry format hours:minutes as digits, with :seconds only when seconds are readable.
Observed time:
1:22
